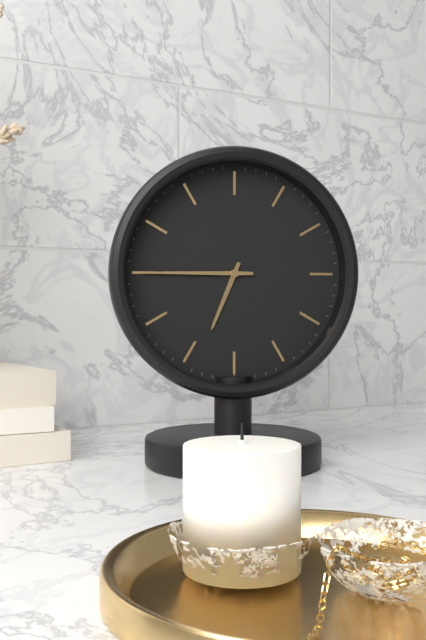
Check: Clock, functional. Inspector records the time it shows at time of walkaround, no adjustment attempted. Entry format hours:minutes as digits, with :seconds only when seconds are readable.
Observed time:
6:45
